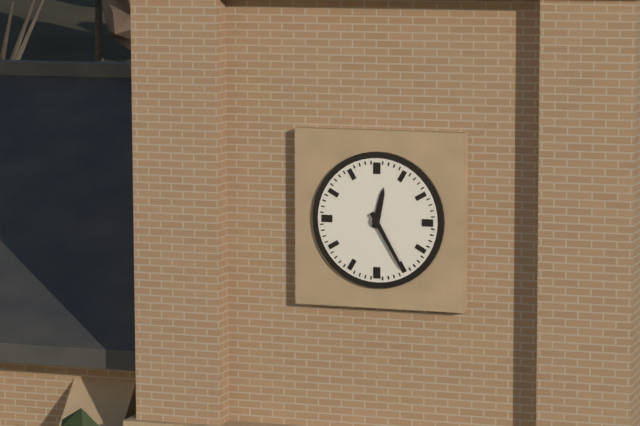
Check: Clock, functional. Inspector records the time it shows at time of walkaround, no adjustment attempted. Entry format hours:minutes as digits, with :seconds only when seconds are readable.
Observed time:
12:25
